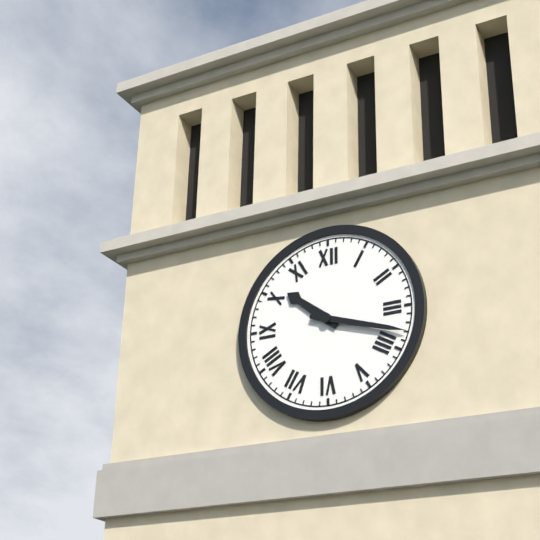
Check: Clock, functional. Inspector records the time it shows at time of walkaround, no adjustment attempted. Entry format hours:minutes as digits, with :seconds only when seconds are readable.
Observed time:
10:18
